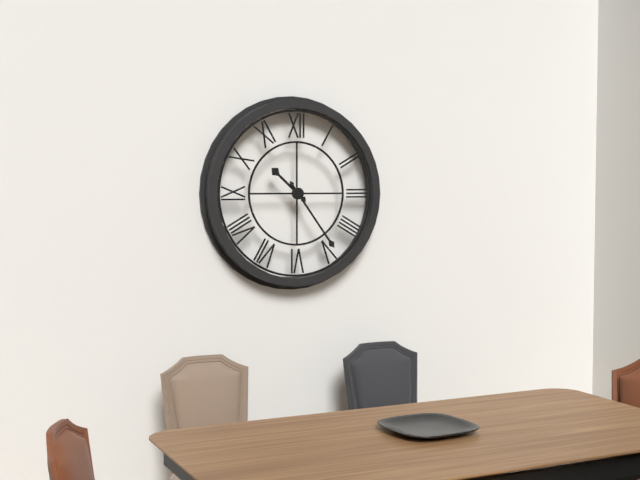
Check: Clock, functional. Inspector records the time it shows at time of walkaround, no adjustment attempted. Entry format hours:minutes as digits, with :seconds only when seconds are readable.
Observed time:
10:24
